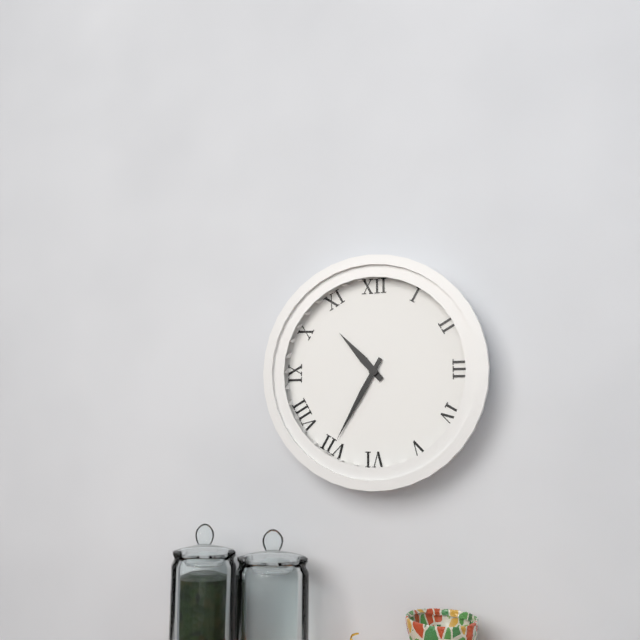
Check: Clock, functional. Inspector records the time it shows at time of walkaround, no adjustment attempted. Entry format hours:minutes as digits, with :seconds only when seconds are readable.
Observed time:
10:35
